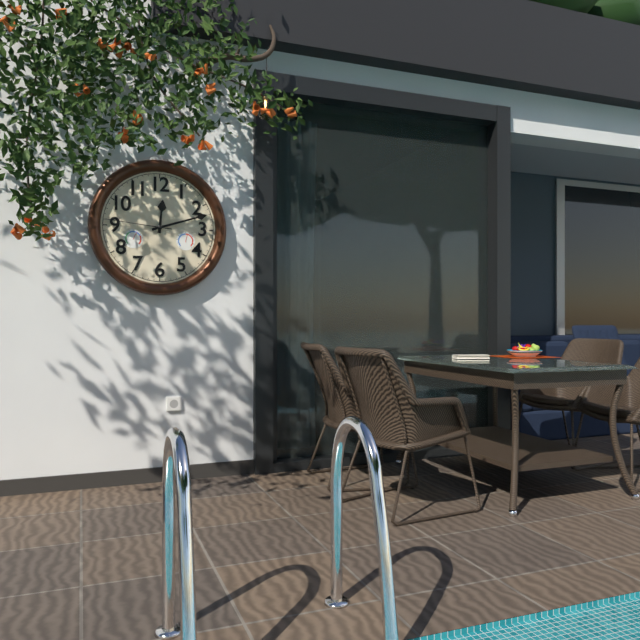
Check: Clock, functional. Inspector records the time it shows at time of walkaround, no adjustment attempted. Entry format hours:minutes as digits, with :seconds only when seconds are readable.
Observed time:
12:12:46
